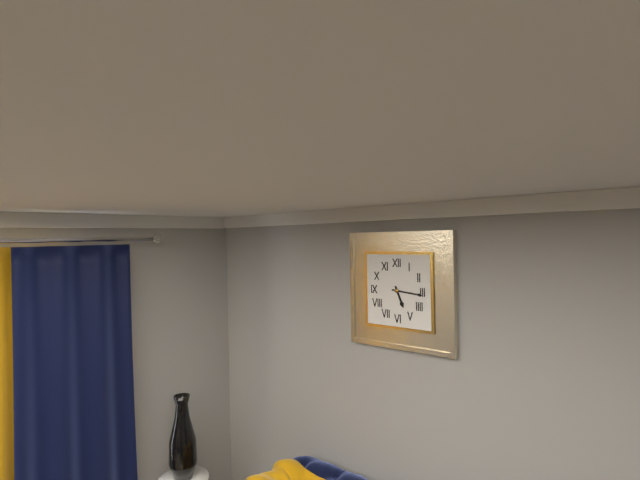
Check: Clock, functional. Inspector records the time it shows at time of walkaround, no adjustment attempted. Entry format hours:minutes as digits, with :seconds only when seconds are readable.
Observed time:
5:16
